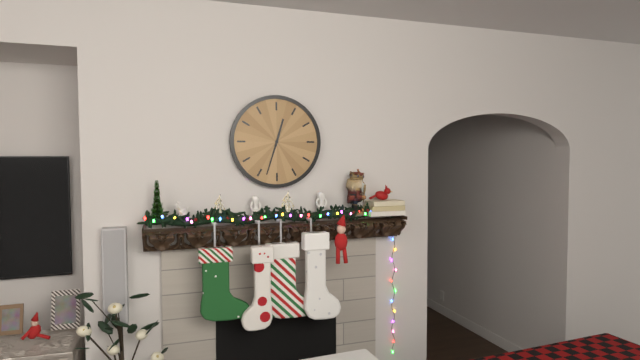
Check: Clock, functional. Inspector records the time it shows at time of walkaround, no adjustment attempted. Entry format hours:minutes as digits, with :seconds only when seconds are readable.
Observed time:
12:33
